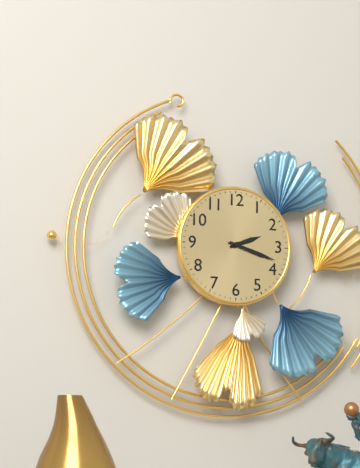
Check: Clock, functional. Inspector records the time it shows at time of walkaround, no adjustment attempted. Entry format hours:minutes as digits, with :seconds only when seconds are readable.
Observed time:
2:18
